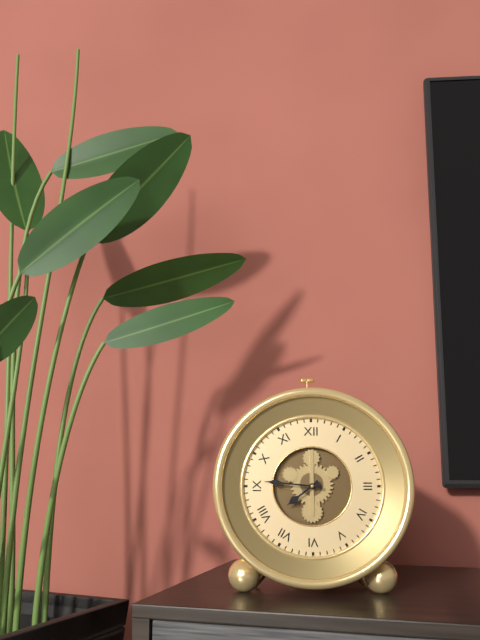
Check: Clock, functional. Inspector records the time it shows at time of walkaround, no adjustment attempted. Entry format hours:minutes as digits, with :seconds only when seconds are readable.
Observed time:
7:46
